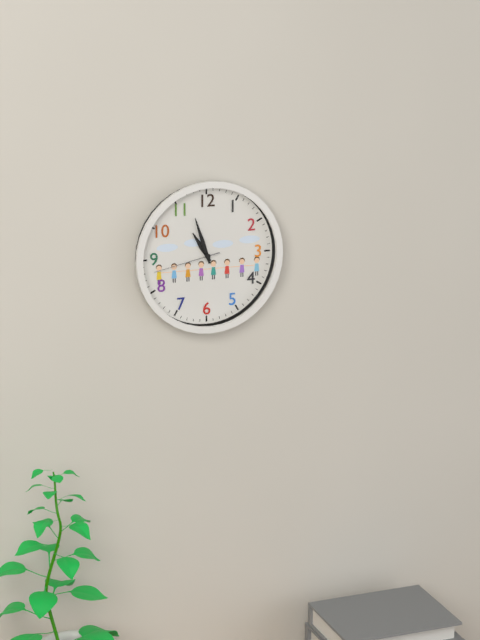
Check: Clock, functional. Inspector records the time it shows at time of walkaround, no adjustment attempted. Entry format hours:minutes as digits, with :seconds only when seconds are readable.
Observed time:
10:57:43
